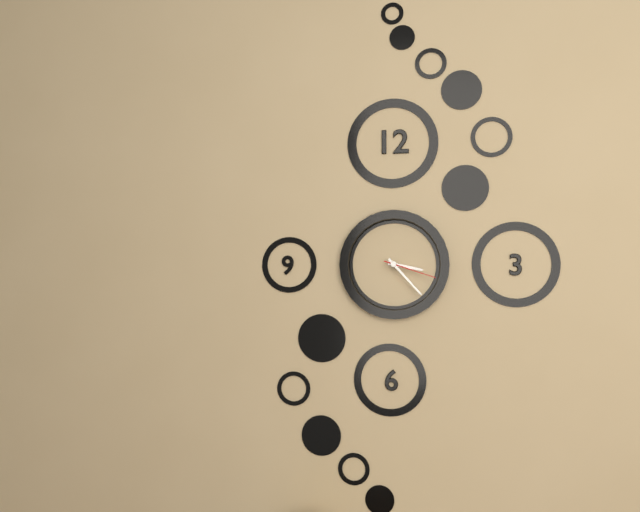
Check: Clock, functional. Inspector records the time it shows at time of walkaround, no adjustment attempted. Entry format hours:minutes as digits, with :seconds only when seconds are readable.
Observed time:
3:23:18
